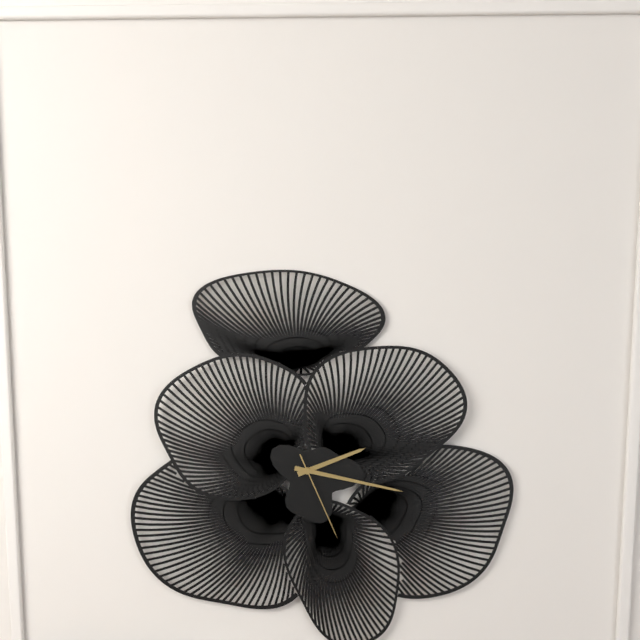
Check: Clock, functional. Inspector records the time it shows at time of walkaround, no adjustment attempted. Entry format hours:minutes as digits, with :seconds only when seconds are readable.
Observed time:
2:17:26
